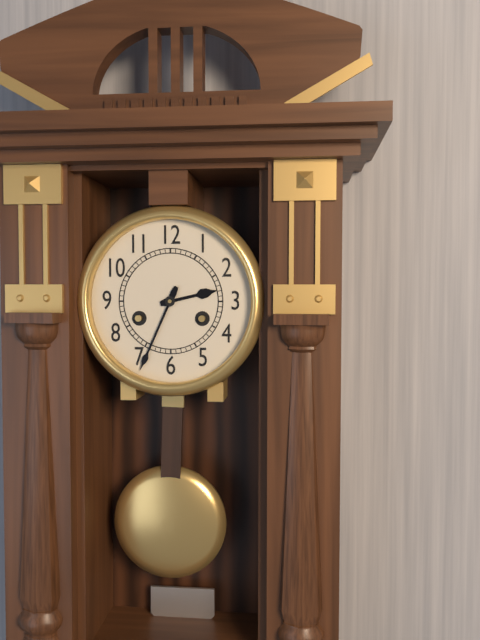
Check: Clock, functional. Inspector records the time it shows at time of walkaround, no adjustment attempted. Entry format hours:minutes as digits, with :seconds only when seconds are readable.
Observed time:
2:34
